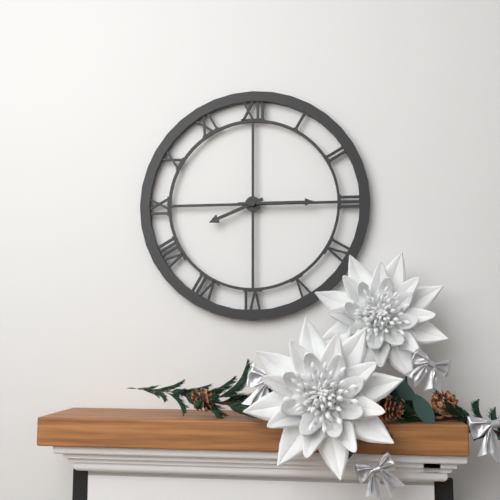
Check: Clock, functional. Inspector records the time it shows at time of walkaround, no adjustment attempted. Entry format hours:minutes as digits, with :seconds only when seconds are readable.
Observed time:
8:15
